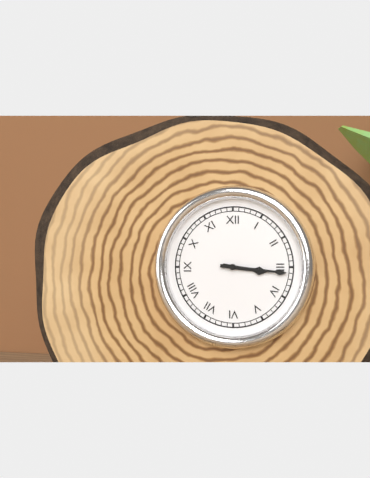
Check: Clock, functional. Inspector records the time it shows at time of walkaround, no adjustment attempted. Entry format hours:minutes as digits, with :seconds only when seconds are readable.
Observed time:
3:16
